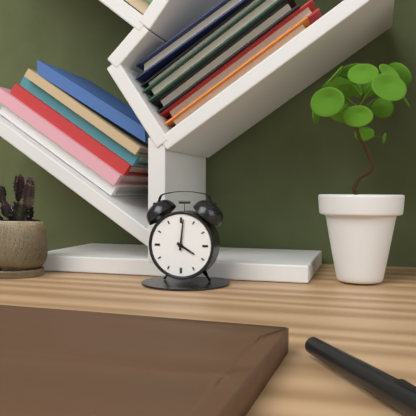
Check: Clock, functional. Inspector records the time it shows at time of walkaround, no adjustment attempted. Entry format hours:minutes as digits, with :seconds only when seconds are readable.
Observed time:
4:01
